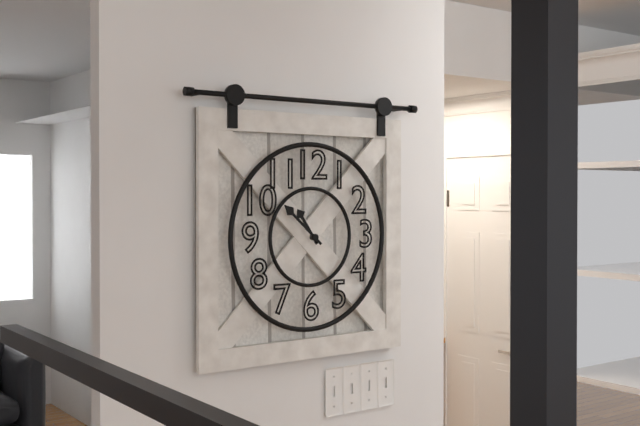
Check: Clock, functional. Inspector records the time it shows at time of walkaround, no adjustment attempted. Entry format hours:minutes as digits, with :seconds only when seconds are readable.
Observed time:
10:52
